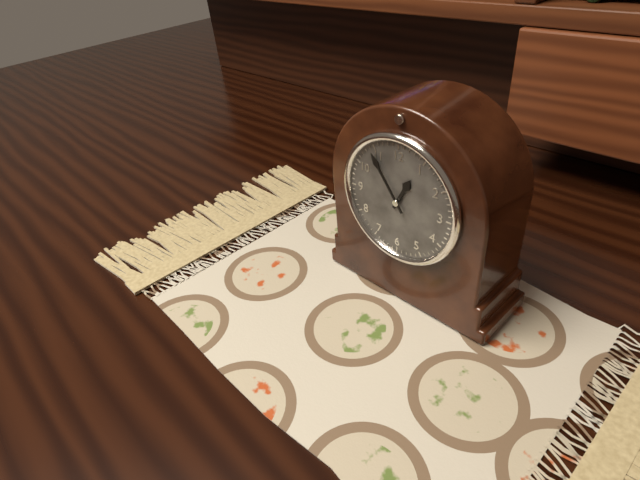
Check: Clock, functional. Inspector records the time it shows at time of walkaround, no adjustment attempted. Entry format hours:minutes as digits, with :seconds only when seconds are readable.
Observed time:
12:54
